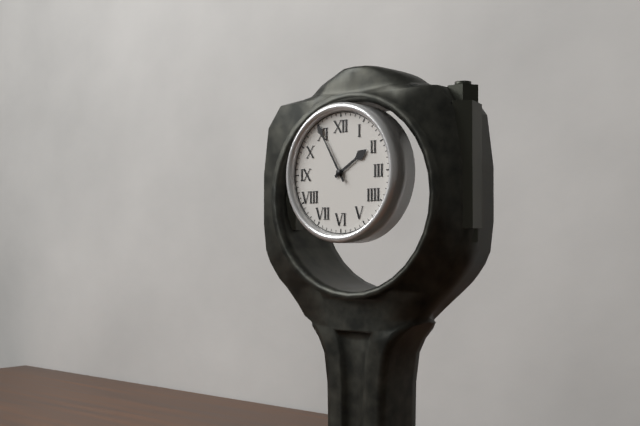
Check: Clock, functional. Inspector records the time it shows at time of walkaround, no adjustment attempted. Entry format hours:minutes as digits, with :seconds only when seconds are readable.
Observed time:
1:55
